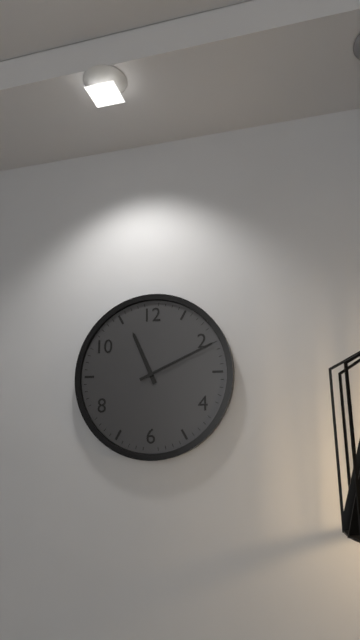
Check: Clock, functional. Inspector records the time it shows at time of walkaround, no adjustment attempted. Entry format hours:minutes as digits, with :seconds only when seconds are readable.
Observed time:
11:11
